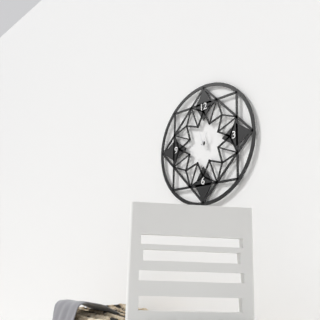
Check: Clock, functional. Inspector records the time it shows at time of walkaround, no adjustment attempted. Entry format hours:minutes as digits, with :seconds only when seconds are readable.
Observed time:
12:57
